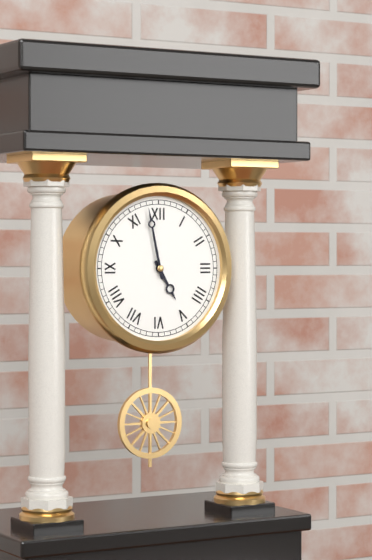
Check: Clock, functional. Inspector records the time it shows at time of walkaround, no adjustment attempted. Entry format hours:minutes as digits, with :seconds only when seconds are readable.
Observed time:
4:58
